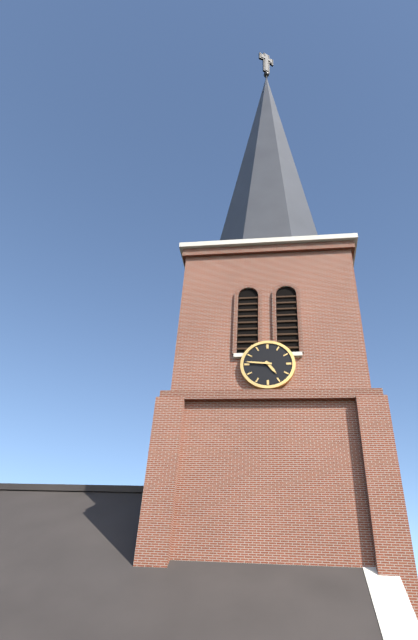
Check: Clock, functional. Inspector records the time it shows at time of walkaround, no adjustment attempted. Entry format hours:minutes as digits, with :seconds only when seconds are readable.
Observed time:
4:46
